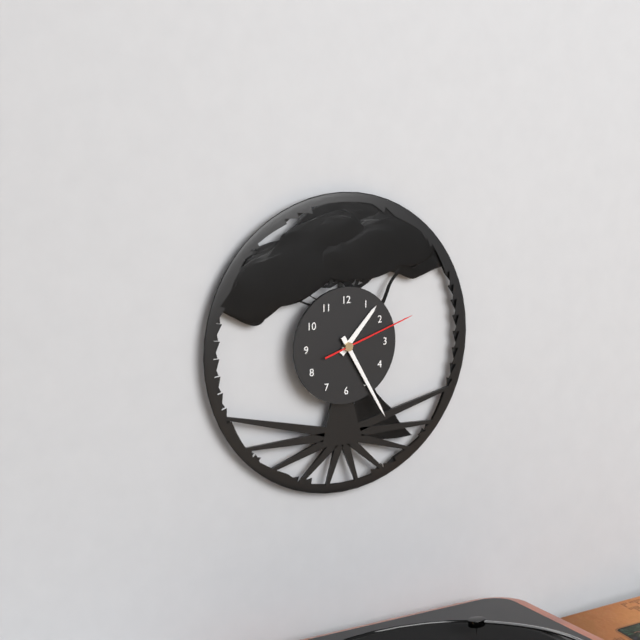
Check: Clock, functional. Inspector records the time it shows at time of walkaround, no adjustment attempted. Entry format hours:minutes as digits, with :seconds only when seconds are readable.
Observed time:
1:25:12
